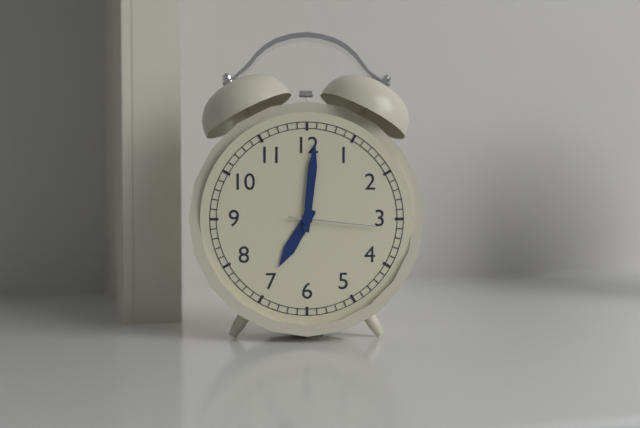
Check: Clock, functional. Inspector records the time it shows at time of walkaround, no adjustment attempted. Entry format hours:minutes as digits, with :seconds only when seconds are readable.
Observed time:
7:01:16
